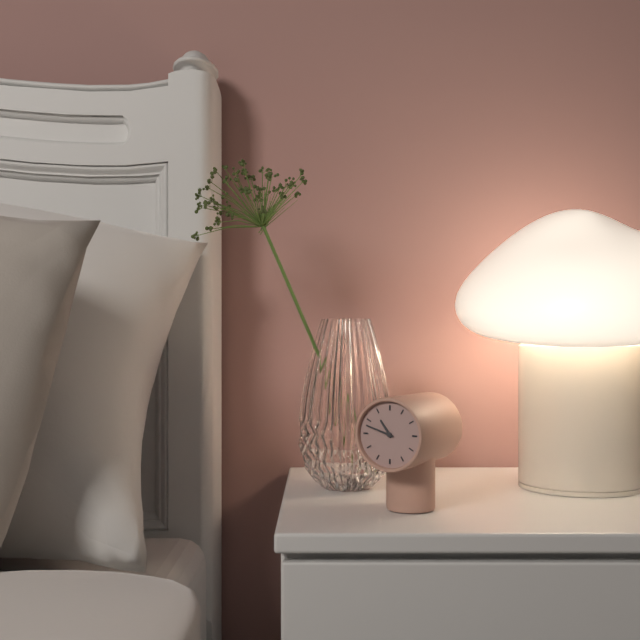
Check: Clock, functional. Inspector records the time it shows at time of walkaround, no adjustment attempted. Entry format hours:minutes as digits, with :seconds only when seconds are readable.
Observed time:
10:48
